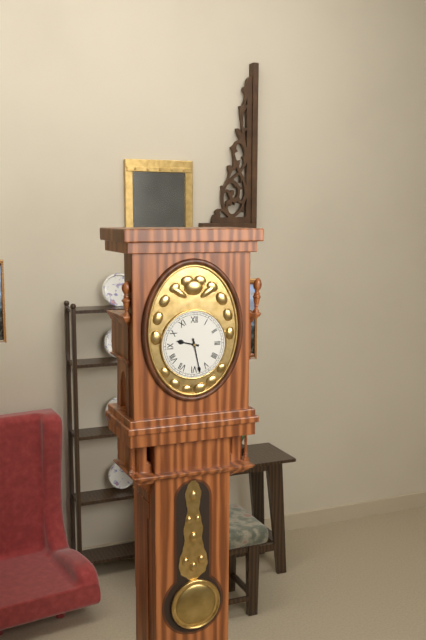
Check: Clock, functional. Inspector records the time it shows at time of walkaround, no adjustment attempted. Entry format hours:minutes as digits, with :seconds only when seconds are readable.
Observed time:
9:28
